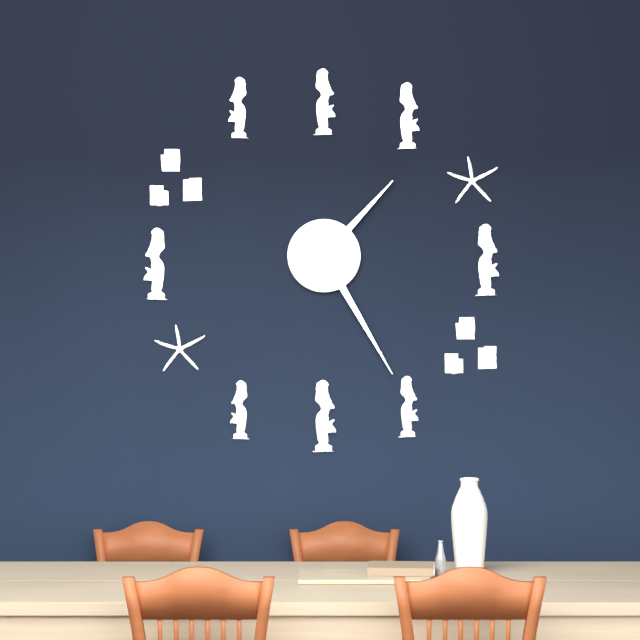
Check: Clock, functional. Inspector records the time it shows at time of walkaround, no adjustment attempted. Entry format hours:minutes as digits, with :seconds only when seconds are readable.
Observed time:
1:25
